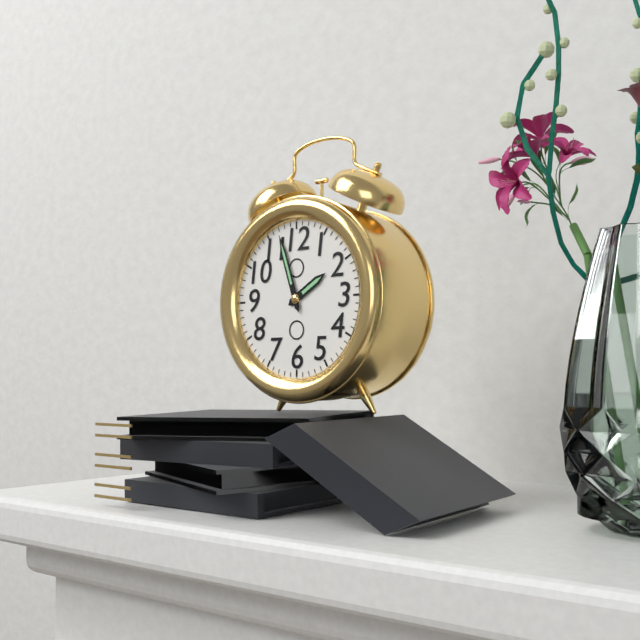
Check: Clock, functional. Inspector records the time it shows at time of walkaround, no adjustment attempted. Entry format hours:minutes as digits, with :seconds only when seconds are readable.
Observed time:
1:57
